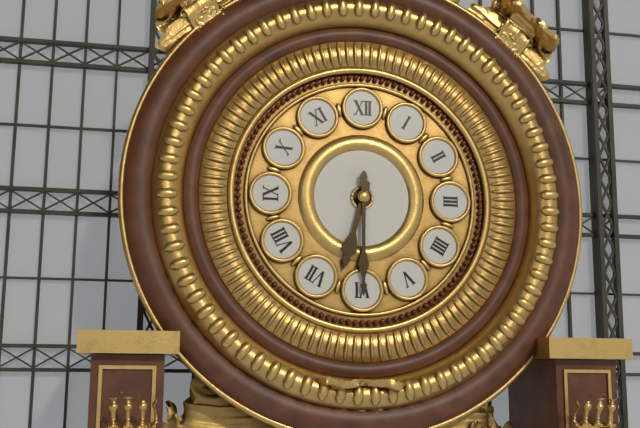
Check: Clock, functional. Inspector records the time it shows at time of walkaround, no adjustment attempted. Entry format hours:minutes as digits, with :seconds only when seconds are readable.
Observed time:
6:30
